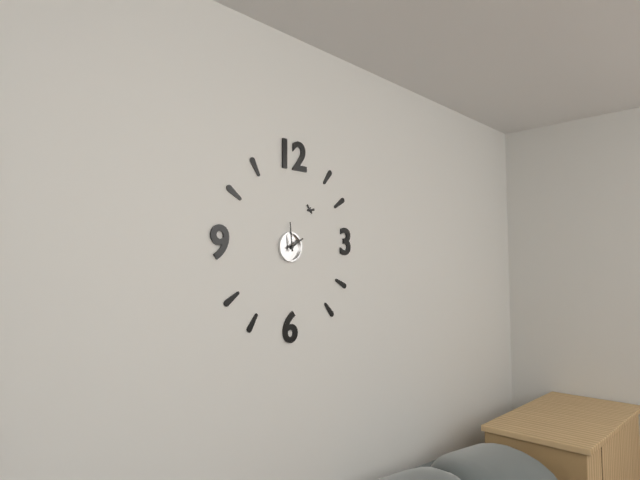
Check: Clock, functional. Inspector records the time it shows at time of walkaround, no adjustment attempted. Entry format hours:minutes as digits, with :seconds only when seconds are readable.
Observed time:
1:59
